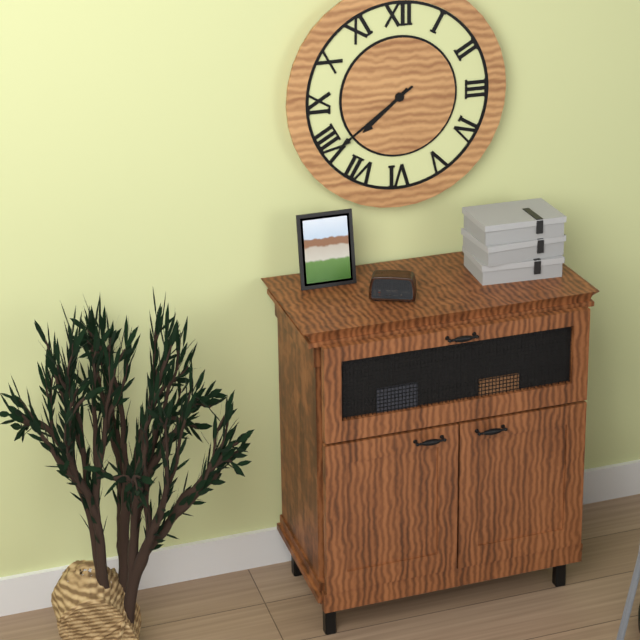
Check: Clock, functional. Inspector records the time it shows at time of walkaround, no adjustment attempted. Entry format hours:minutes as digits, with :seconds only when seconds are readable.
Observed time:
7:39
